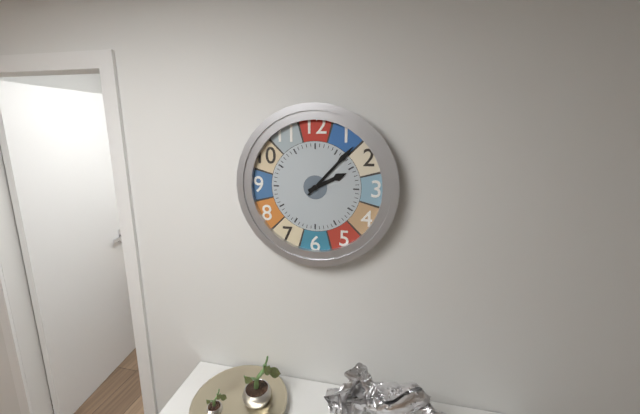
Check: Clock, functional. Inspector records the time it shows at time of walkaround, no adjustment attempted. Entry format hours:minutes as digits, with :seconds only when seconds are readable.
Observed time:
2:07
